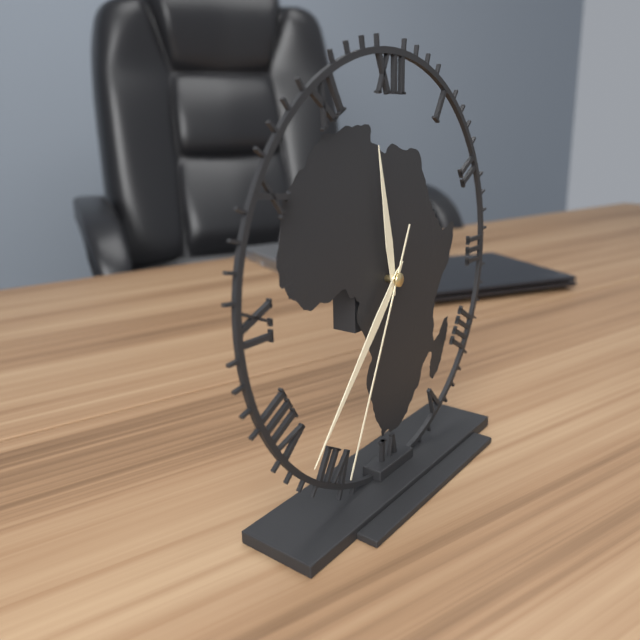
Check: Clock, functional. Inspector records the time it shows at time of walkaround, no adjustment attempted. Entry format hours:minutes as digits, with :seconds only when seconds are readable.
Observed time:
11:37:34
